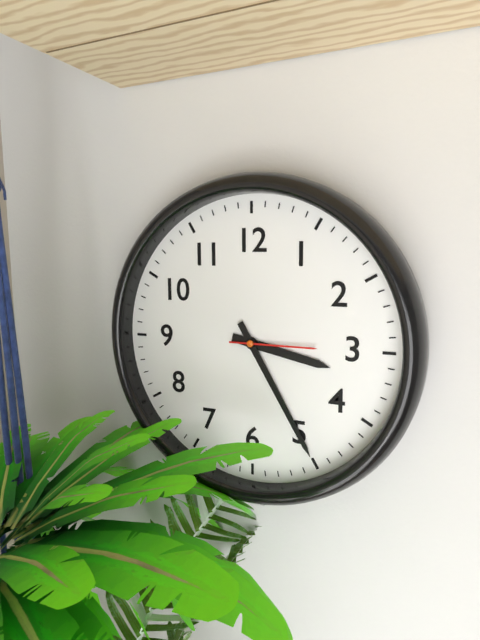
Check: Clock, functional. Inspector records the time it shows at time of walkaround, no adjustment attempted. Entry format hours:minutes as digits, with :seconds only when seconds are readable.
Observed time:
3:25:15
